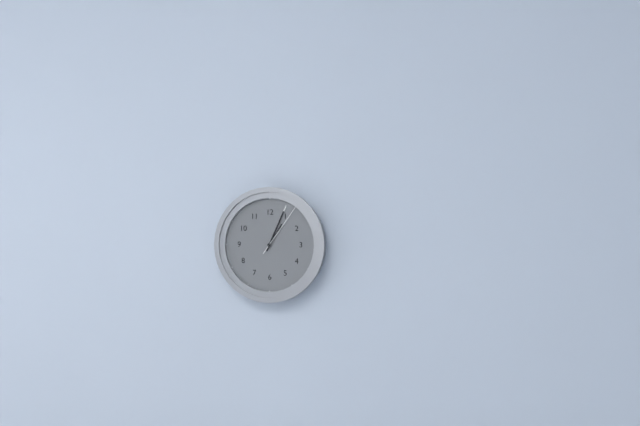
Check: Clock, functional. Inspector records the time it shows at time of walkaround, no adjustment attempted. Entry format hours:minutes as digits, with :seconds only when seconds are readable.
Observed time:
1:04:06
